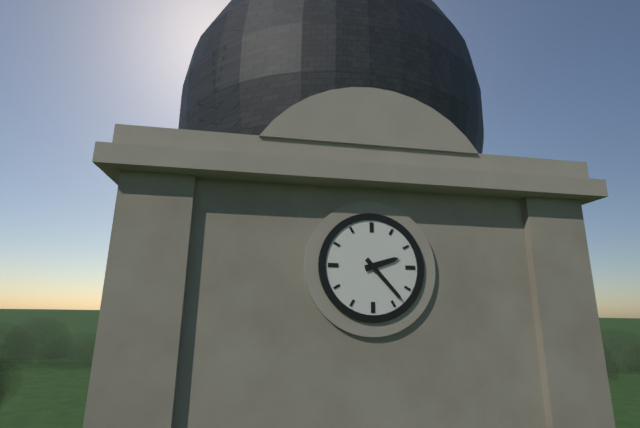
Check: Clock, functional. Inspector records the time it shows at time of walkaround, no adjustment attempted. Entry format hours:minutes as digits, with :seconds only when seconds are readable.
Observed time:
2:23
